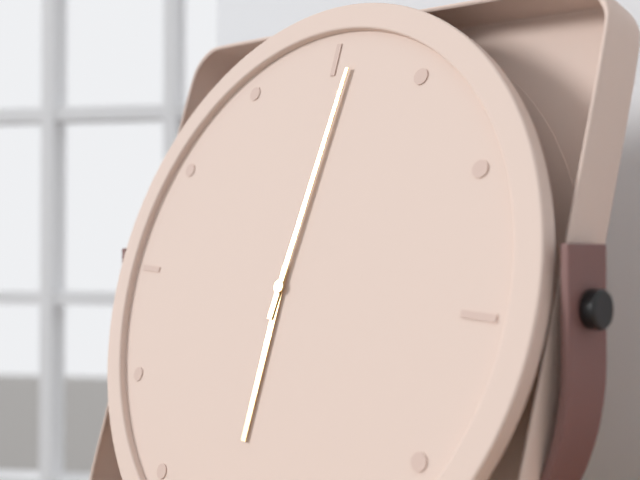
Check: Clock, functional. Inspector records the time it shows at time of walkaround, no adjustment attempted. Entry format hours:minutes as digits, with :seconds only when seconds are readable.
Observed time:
6:01
